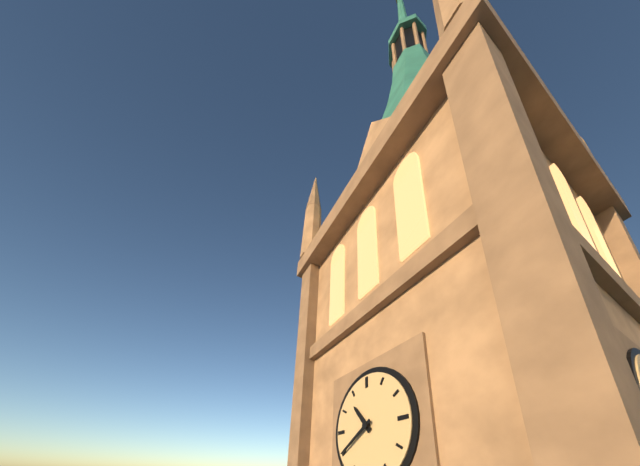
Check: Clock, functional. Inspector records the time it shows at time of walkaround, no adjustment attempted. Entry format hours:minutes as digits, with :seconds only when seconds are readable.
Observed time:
10:40
